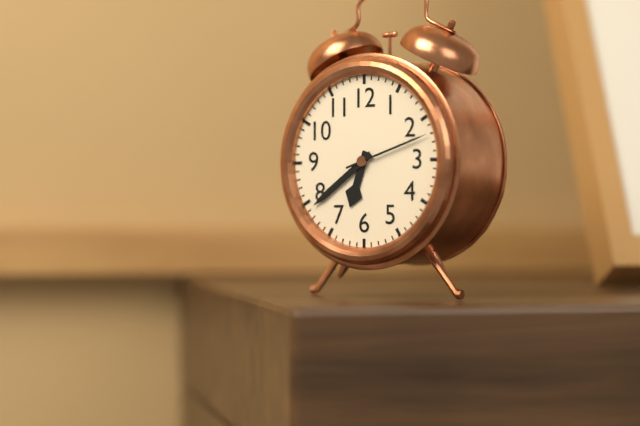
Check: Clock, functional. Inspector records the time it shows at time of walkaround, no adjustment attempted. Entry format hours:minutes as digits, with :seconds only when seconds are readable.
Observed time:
6:39:12
